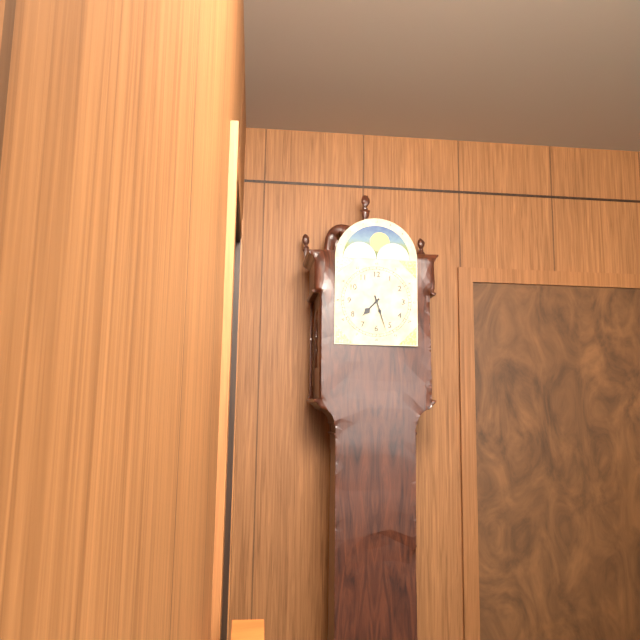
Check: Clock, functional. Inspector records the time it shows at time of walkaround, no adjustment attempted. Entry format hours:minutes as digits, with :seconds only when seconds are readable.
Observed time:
7:27
